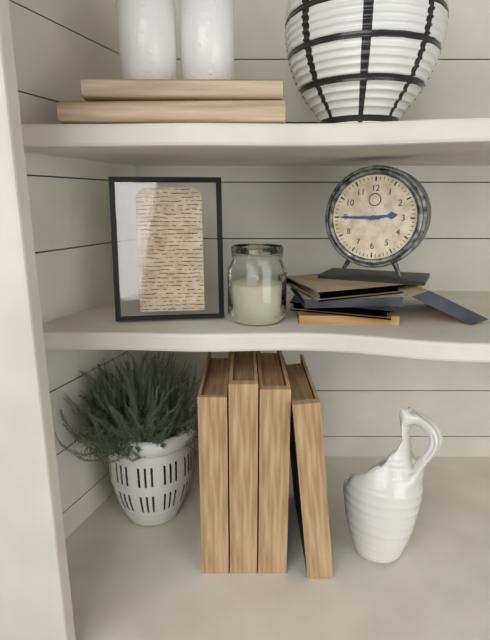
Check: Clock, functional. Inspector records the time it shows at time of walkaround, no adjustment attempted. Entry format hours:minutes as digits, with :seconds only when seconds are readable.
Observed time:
2:45
